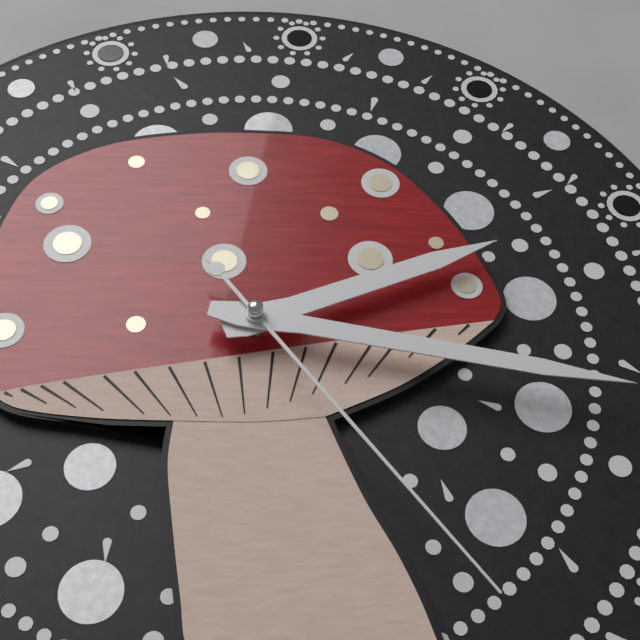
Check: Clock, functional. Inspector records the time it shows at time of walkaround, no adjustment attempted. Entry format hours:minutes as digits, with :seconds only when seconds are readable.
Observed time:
2:17:24
